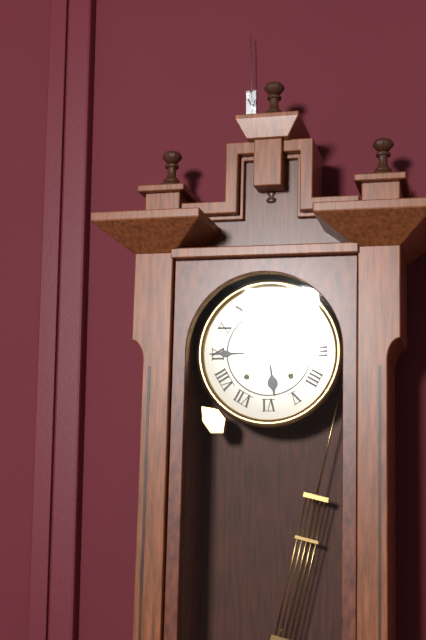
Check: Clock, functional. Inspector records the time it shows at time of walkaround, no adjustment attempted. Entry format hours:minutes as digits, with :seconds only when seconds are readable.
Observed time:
5:45
